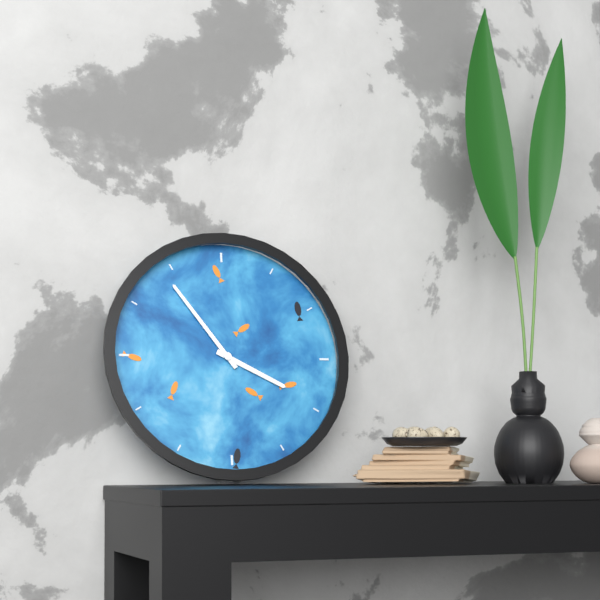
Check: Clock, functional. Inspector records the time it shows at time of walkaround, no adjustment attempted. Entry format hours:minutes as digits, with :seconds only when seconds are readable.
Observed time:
3:54
